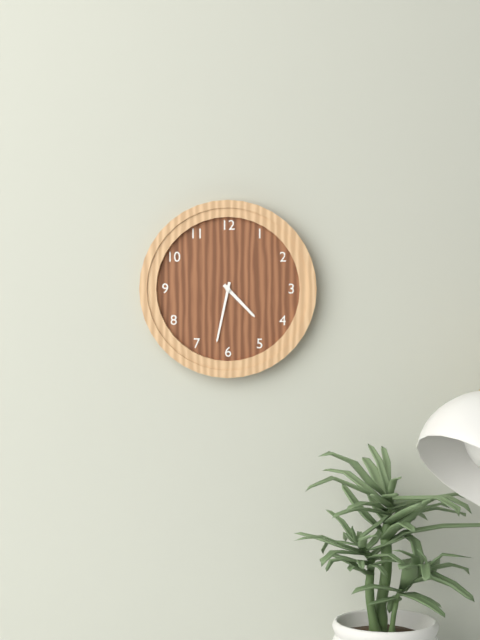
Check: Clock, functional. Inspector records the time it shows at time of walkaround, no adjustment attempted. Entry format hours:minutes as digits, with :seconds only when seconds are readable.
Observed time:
4:32
